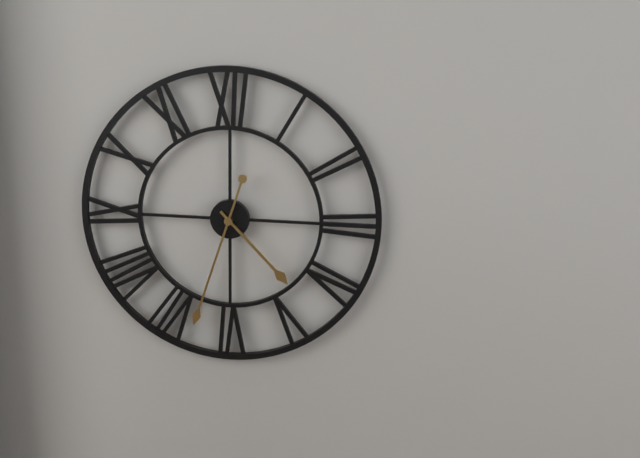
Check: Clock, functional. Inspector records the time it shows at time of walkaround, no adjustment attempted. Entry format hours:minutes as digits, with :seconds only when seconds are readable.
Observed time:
4:33
